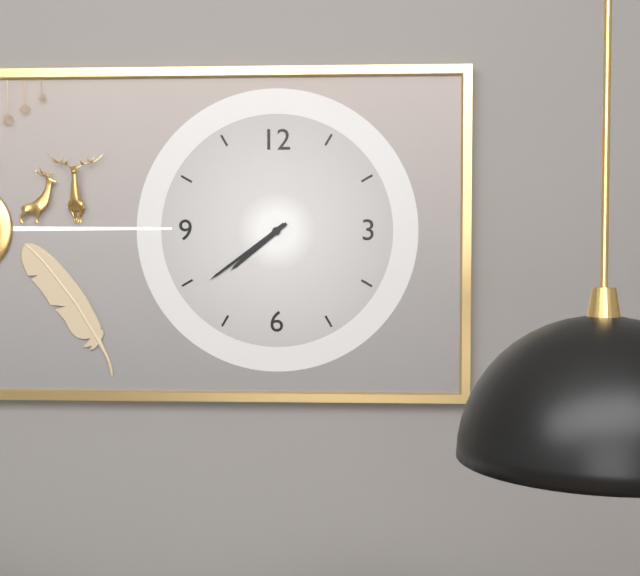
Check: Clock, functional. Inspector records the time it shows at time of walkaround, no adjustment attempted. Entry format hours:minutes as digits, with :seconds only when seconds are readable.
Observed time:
7:39
